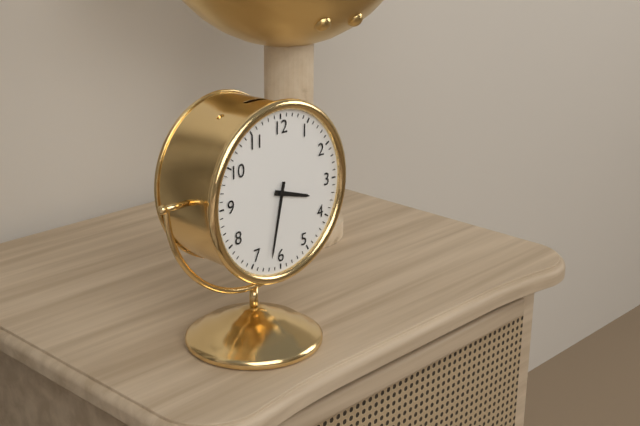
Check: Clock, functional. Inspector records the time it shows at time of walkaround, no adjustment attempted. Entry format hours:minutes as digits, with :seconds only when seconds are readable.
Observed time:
3:32
